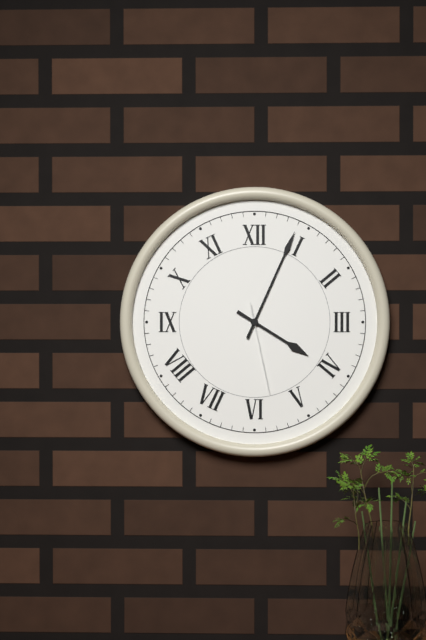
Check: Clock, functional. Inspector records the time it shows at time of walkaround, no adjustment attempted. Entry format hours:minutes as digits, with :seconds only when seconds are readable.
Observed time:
4:04:28
